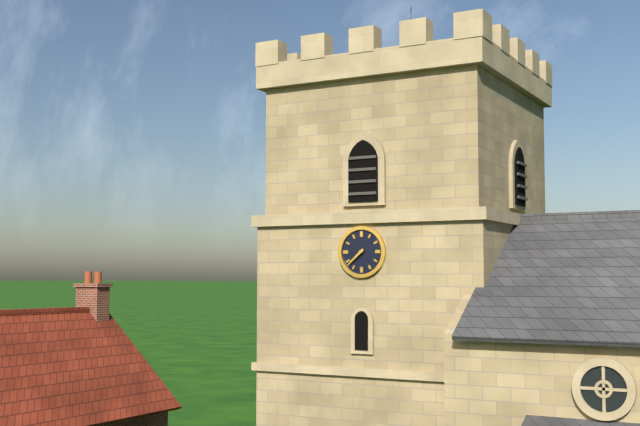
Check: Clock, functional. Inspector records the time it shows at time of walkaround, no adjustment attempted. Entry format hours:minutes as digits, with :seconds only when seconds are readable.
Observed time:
7:38
